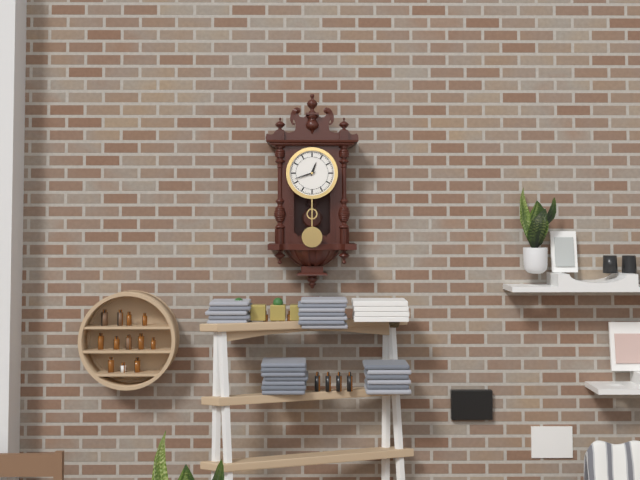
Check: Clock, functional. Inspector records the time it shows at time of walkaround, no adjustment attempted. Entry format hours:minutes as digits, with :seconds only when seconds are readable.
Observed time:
12:42
